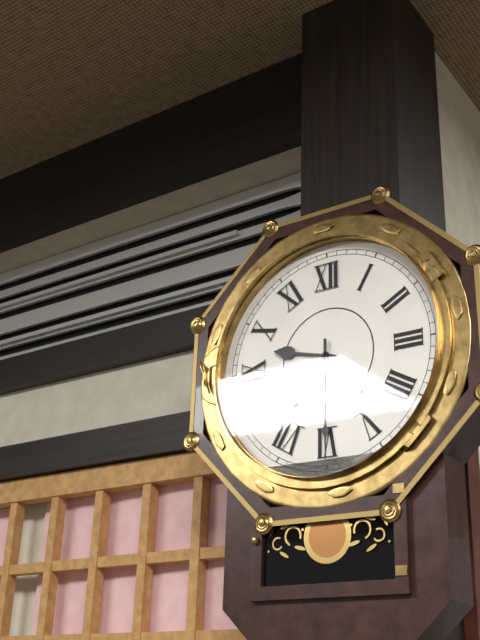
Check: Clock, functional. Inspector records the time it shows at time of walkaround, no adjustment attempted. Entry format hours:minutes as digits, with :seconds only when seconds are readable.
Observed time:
9:30
